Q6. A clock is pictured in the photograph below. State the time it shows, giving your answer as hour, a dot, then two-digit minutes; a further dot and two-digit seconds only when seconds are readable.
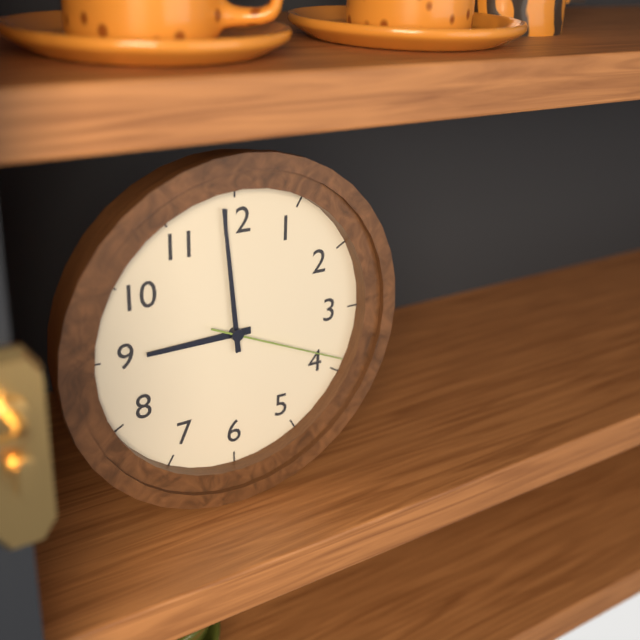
8.59.19
